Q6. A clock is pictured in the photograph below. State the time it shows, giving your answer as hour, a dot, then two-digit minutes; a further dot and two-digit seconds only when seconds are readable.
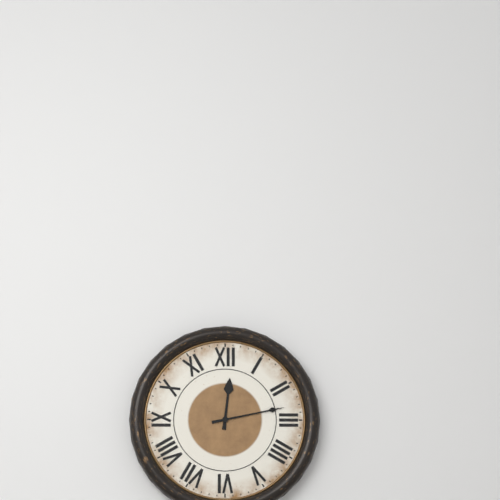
12.13
